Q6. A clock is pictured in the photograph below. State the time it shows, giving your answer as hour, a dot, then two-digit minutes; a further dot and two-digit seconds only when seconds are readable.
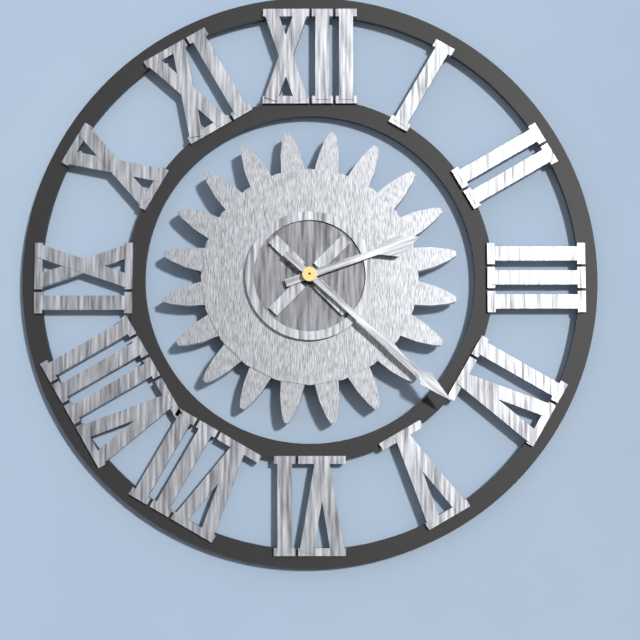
2.22
